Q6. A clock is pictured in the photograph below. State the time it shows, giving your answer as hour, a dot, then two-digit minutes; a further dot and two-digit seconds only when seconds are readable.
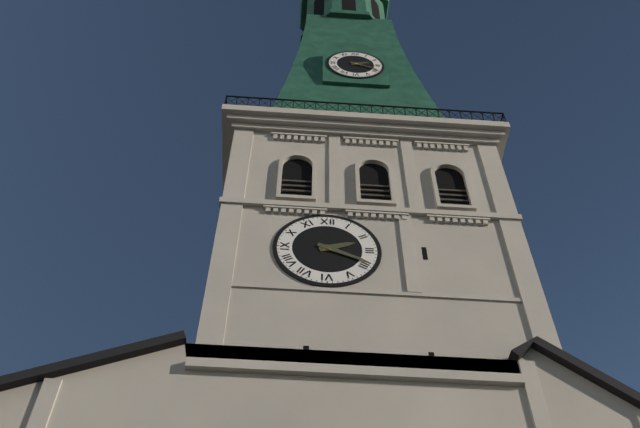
2.19
